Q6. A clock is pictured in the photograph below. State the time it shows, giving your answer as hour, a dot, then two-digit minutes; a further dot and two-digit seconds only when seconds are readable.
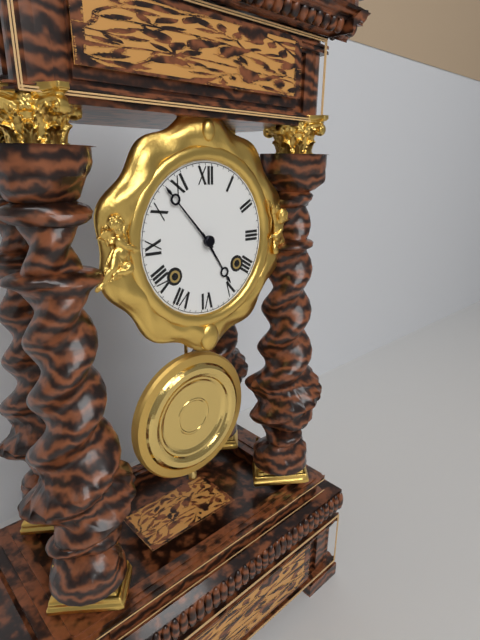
4.53
